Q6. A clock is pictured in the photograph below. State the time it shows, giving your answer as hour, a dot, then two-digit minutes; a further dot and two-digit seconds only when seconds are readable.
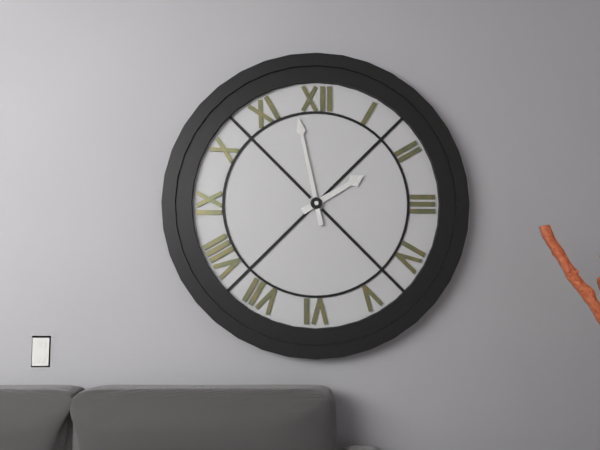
1.58
